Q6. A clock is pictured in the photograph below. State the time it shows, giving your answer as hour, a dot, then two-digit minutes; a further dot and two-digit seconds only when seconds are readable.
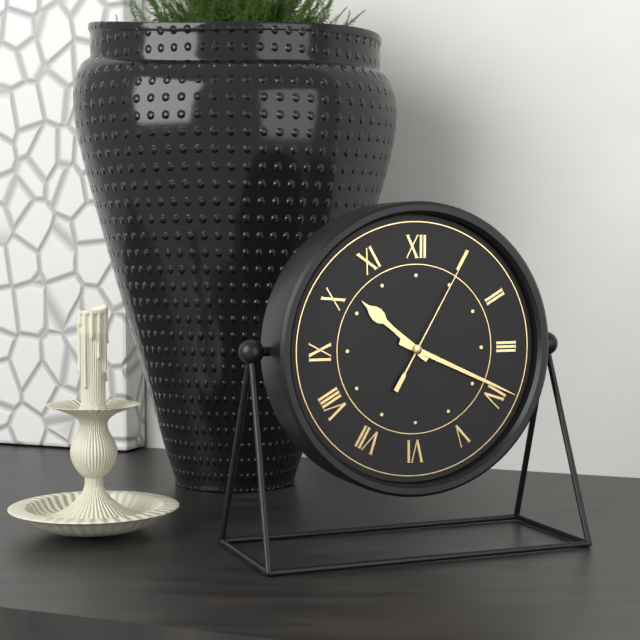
10.19.05
